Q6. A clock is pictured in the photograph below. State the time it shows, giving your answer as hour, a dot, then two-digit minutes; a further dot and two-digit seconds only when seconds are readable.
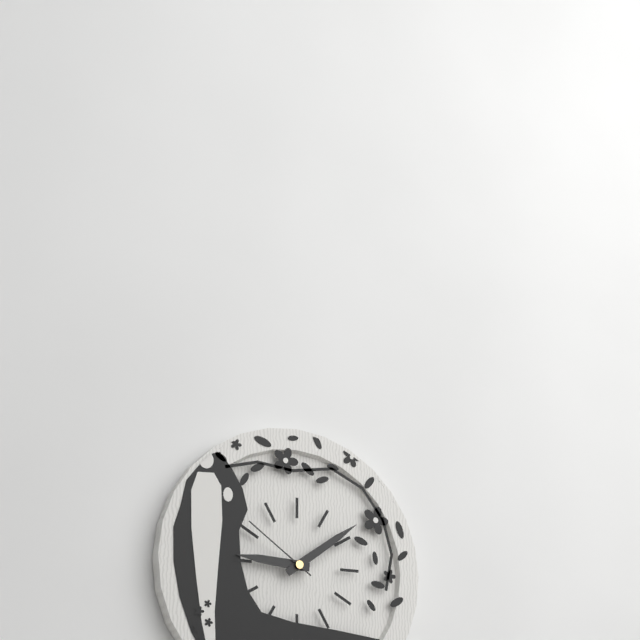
9.09.51
